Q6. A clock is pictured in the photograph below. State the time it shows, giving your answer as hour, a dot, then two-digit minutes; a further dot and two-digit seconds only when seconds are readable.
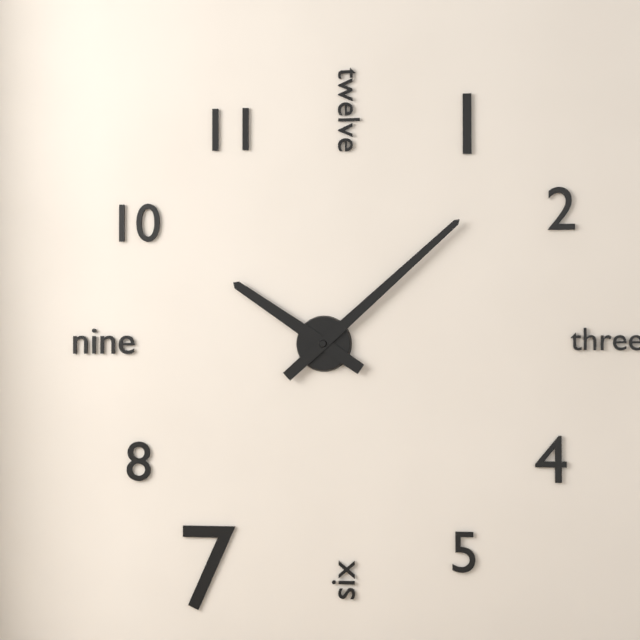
10.08
